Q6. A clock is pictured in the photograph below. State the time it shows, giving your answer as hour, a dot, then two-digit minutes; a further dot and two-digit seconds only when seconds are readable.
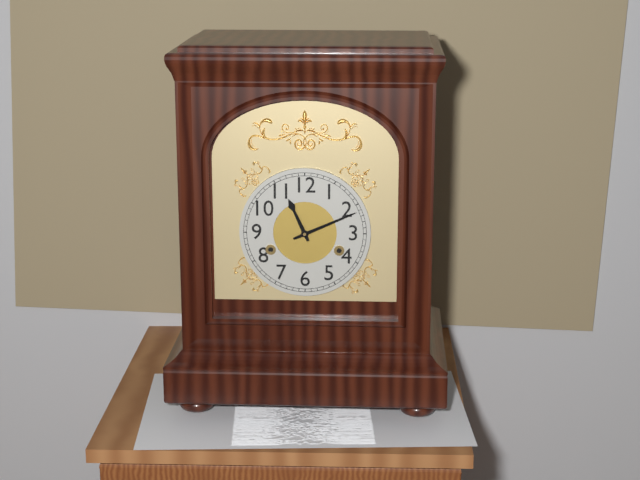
11.11
